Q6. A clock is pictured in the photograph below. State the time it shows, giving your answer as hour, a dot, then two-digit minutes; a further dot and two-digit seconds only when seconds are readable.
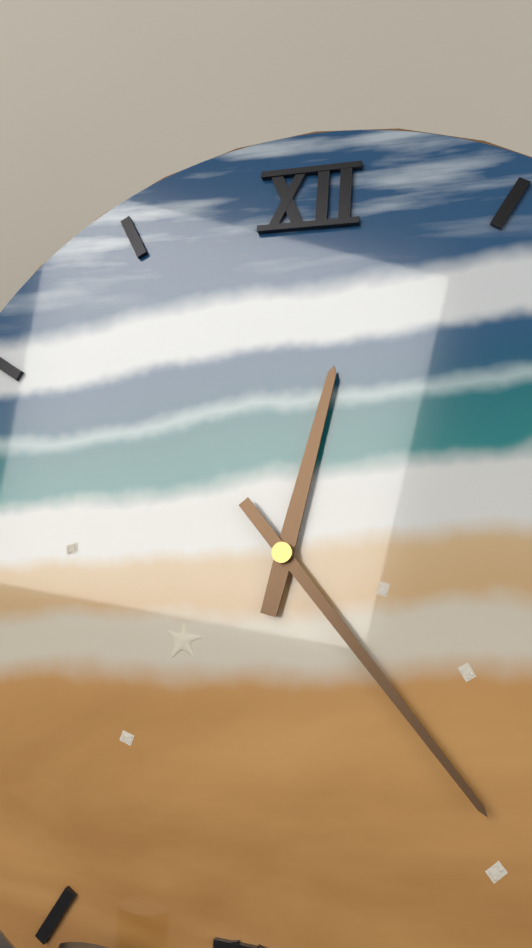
12.23
